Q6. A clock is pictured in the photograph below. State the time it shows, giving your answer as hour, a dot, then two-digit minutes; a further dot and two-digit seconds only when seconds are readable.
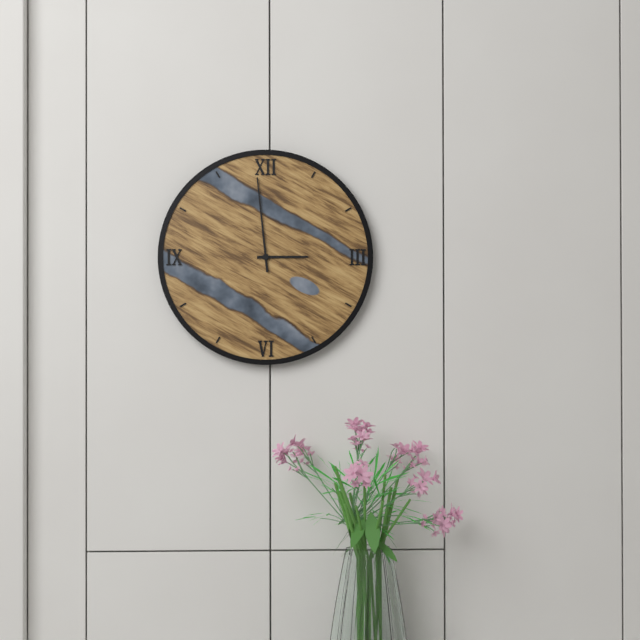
2.59
